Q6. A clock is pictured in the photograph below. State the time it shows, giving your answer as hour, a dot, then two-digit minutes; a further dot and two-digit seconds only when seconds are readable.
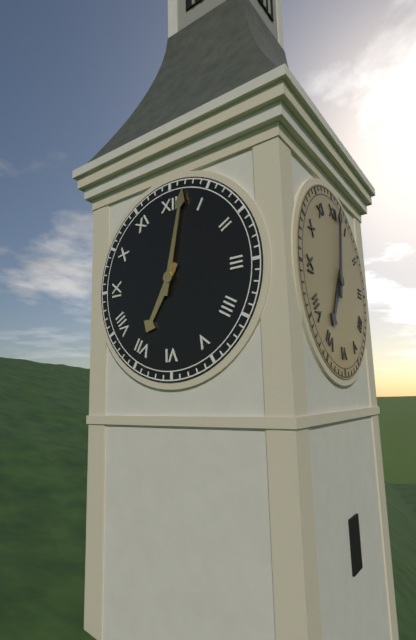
7.02
